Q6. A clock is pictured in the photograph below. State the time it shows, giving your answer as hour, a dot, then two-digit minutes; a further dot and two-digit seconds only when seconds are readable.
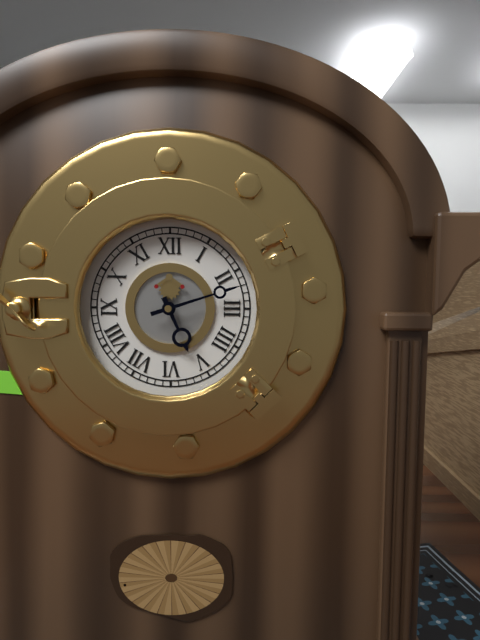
5.12
